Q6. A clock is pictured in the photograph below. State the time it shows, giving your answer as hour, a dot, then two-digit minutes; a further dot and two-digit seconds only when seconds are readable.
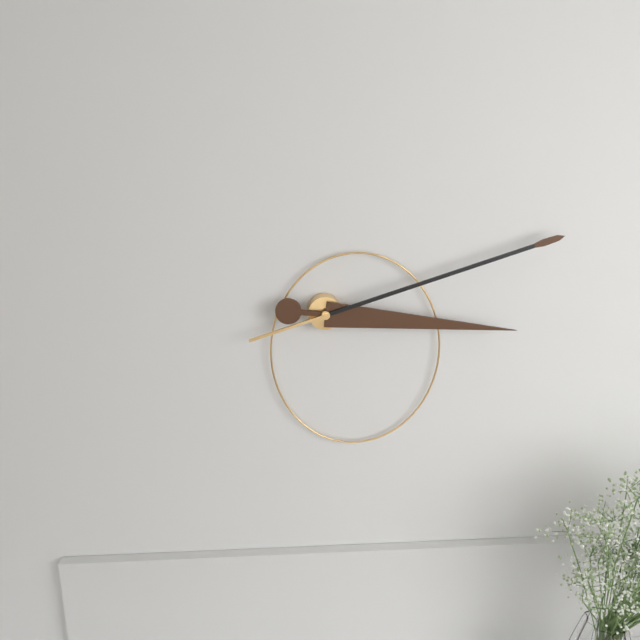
3.12
